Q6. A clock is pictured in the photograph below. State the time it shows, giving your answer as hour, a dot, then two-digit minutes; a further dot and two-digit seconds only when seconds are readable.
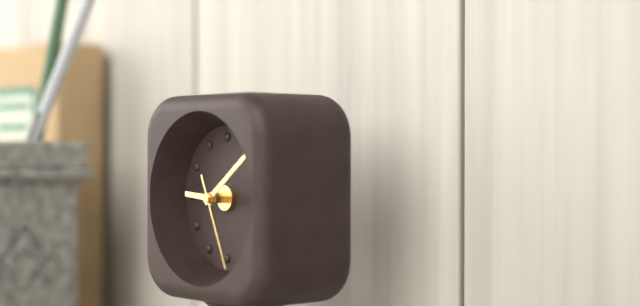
9.09.26
